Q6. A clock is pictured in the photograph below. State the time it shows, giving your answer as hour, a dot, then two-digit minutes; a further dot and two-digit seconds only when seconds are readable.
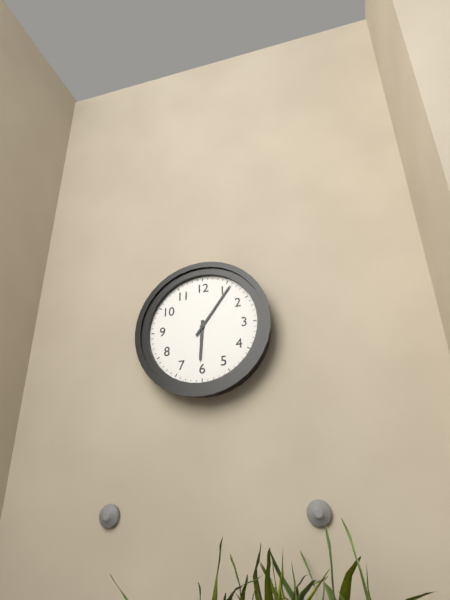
6.06
